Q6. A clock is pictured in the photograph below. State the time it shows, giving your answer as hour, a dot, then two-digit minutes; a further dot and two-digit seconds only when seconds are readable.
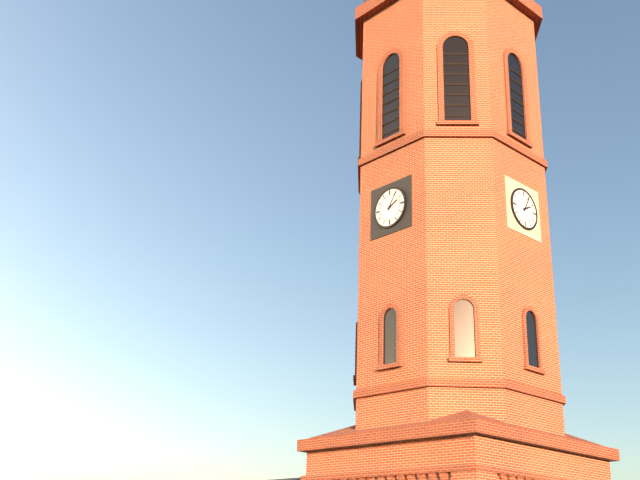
2.05
